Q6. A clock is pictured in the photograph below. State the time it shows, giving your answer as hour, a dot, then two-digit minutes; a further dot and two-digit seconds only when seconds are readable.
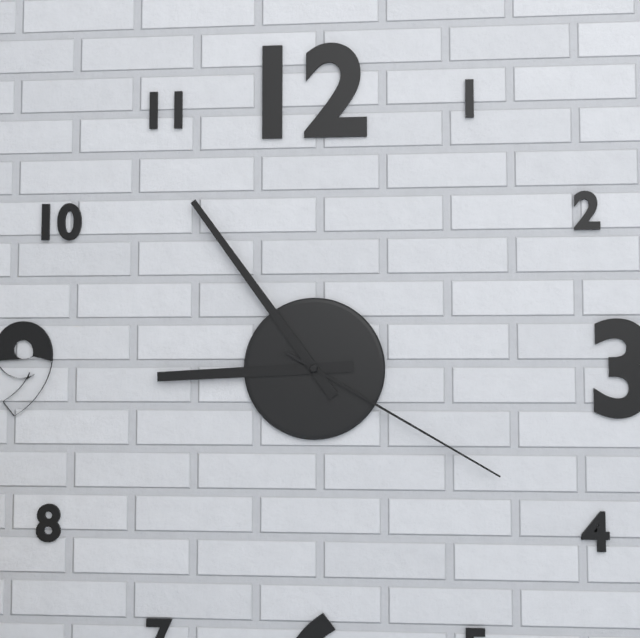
8.54.20
